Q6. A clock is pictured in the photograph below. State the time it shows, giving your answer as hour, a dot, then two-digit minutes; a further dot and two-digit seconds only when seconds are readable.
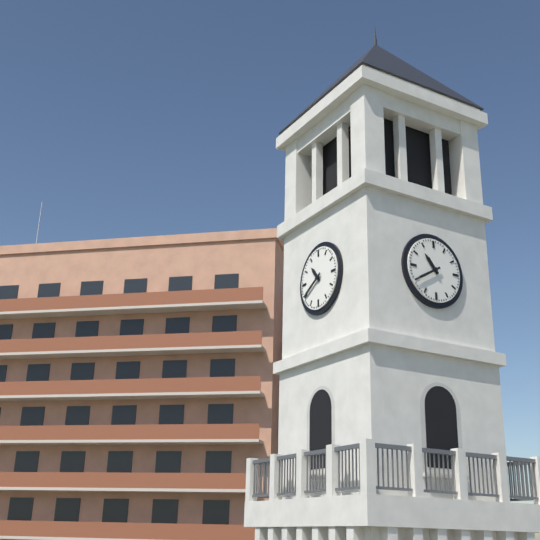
10.40
